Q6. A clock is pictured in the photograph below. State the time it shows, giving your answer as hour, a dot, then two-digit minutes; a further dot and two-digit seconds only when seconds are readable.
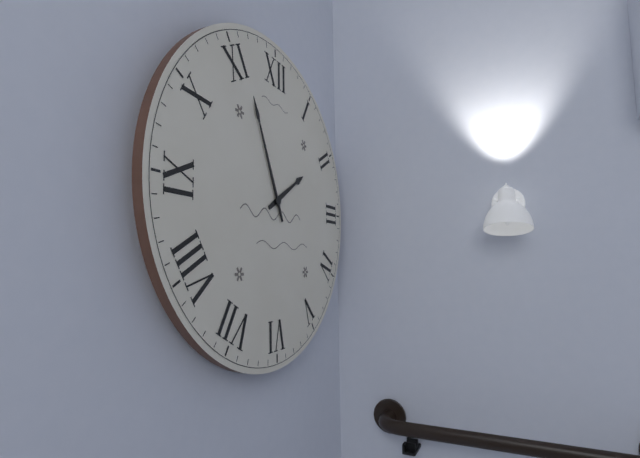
1.56
